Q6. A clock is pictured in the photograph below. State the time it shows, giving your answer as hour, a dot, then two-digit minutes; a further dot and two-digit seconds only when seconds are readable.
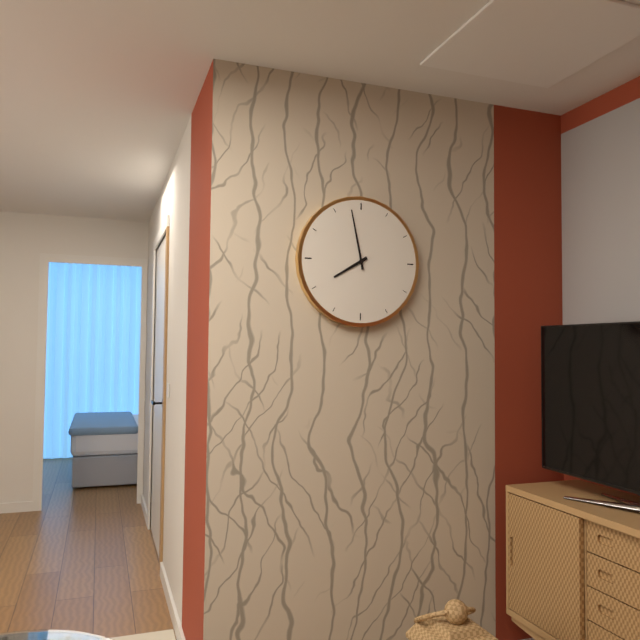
7.58
